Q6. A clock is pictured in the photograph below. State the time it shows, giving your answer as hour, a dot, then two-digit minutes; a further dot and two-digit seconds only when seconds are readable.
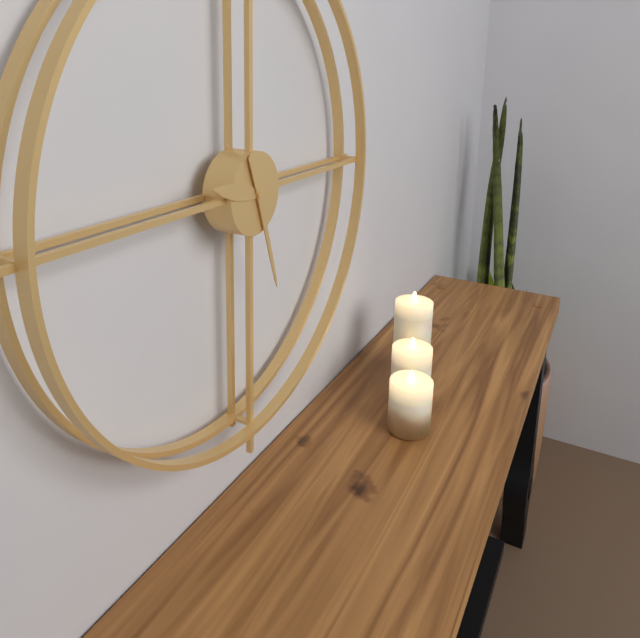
9.27
